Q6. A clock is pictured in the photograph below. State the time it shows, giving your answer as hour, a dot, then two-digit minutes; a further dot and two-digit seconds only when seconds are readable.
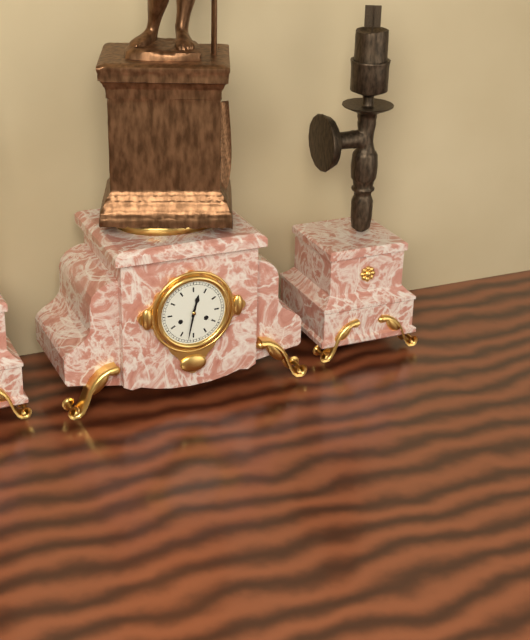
12.32
